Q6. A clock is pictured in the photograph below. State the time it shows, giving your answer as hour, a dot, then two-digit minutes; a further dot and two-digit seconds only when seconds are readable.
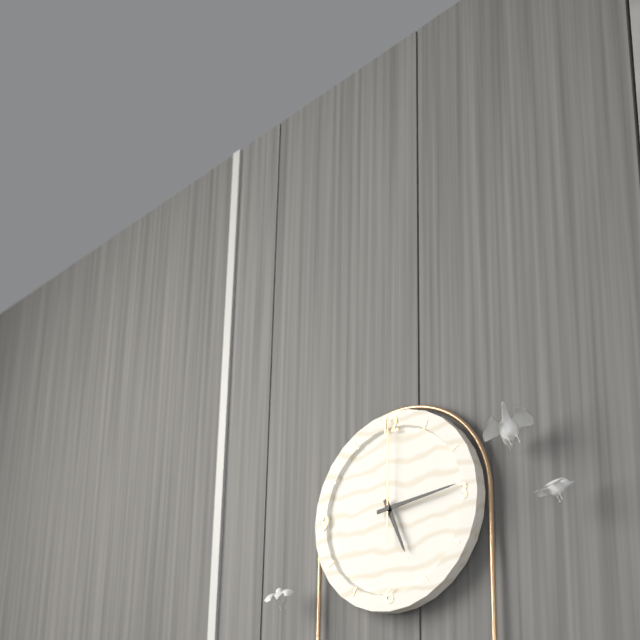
5.14.00
